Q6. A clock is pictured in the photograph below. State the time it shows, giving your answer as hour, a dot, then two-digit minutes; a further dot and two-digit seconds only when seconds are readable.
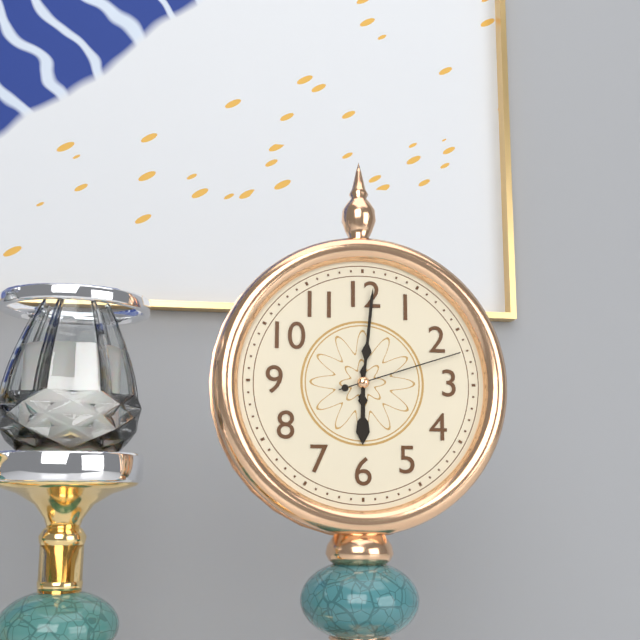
6.01.12
